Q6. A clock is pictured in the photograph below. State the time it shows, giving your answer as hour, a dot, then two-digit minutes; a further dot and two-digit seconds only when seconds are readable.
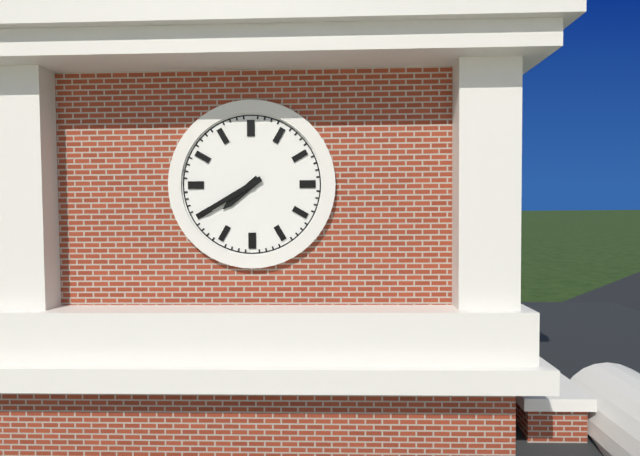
7.40
